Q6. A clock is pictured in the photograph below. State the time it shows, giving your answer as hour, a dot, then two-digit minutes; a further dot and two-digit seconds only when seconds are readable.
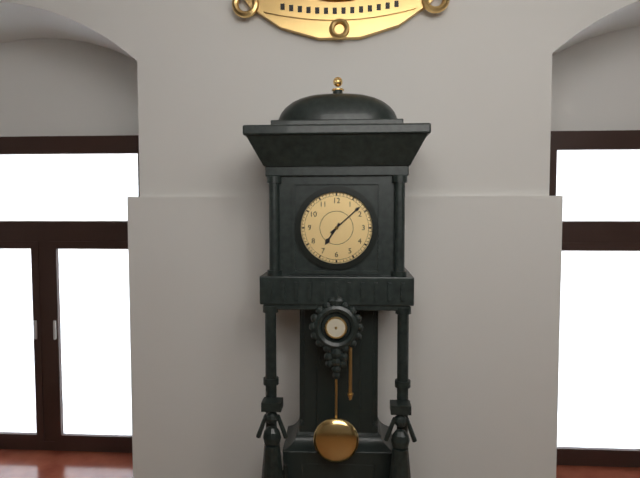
7.08
